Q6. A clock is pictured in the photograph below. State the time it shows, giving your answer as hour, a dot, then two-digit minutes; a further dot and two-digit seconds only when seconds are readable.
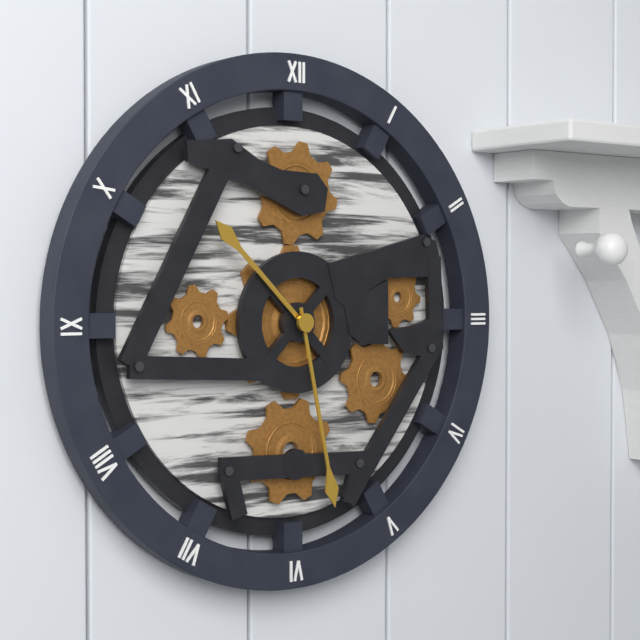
10.28
